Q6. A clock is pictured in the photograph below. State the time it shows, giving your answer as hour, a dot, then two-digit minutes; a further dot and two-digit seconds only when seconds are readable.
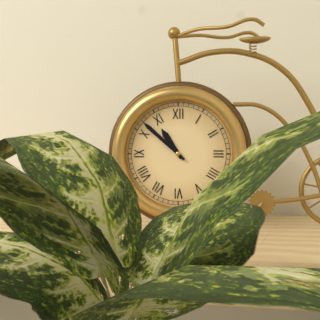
10.52
